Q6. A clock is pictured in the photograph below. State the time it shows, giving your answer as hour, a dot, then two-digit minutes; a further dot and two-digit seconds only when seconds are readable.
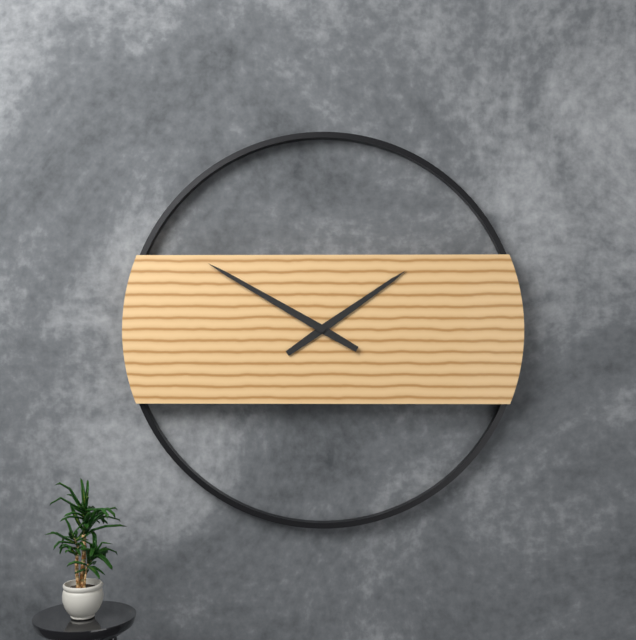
1.50
